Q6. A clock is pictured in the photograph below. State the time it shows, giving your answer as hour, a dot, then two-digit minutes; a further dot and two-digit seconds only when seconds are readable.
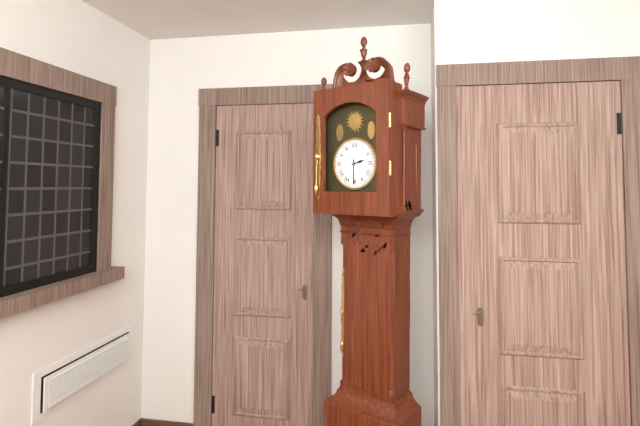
2.30
